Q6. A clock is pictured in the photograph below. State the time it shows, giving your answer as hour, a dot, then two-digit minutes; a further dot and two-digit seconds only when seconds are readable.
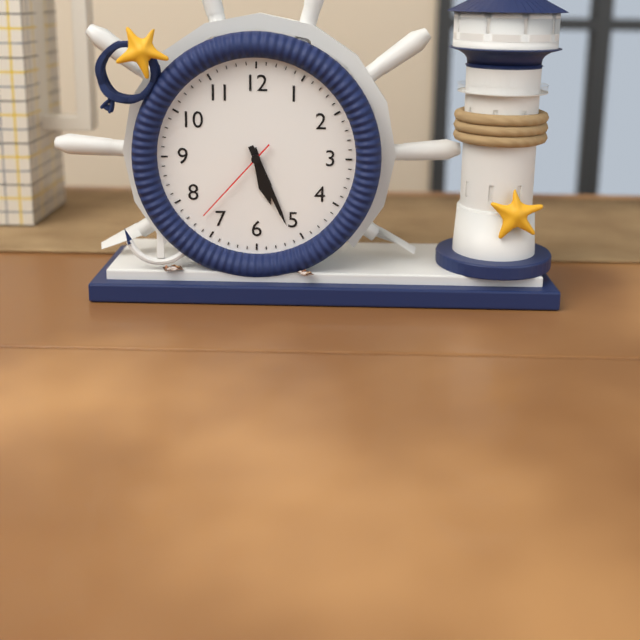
5.26.37
